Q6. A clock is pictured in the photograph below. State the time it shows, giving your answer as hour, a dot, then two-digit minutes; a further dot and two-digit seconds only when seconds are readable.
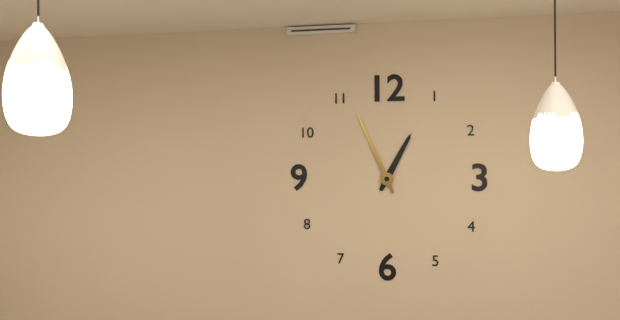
12.56
